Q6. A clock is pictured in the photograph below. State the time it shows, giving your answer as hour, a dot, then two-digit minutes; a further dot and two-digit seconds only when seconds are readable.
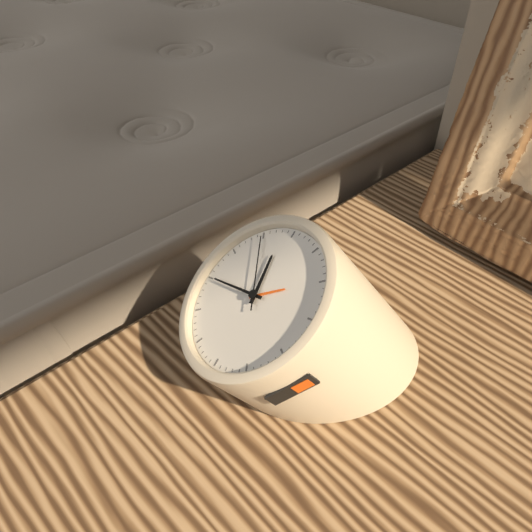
10.40.50
